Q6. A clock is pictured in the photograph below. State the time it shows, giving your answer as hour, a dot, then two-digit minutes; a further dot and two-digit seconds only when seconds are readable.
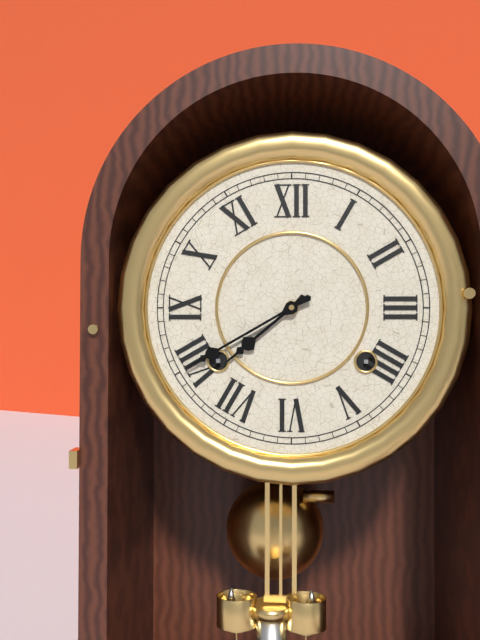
7.40
